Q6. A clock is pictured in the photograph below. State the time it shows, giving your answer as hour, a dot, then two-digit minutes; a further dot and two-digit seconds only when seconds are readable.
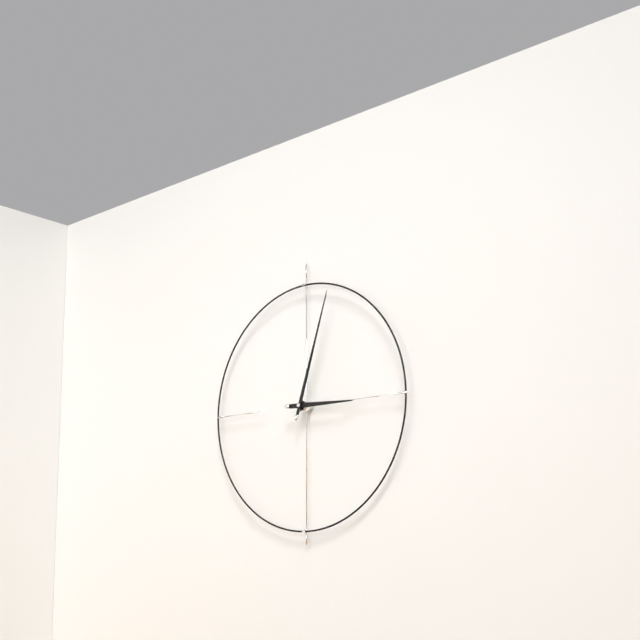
3.03
